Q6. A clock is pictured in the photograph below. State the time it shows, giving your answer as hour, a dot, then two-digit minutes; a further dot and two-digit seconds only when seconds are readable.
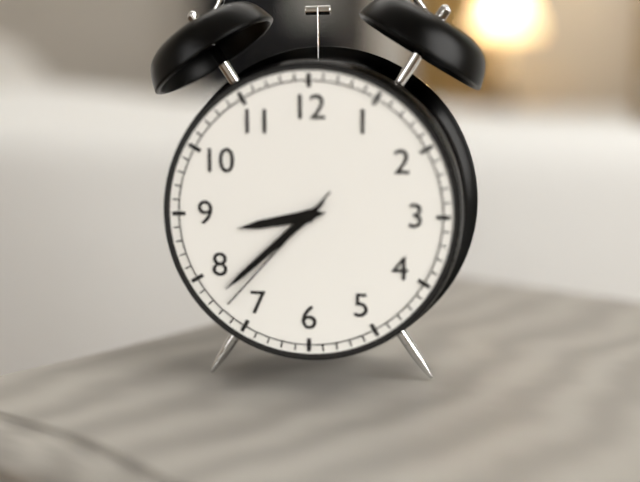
8.38.37
